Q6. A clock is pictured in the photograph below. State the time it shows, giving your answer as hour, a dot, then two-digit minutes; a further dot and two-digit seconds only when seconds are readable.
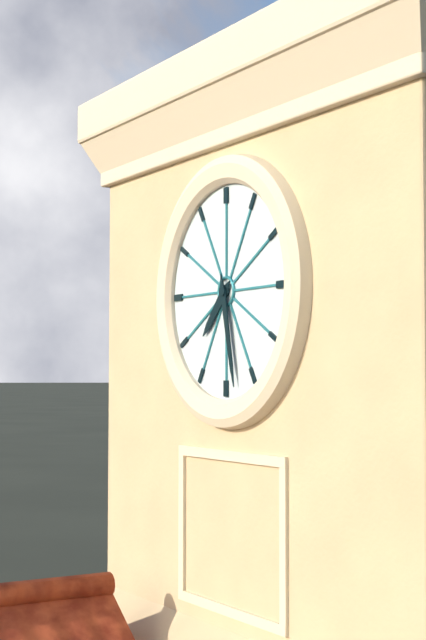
7.28
